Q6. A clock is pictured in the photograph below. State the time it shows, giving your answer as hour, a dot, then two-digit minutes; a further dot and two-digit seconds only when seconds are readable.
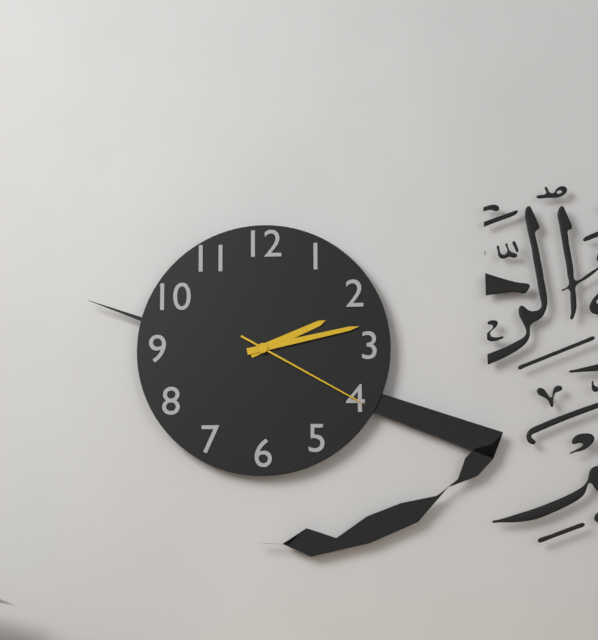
2.13.20
